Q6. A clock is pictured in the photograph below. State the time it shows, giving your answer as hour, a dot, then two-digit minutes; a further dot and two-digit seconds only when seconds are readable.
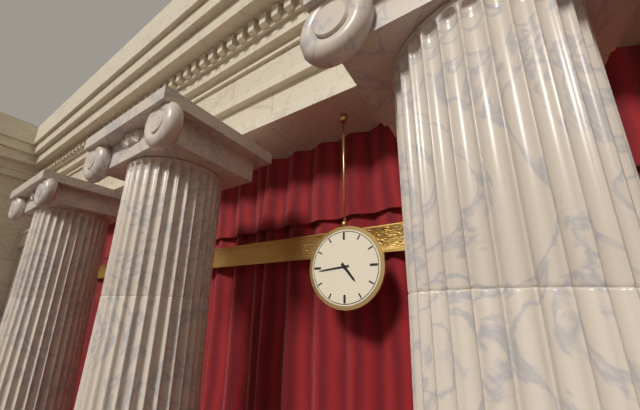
4.44
